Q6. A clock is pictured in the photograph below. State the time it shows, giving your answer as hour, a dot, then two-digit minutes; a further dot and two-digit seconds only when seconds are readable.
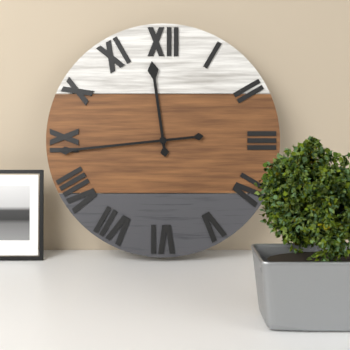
11.44
